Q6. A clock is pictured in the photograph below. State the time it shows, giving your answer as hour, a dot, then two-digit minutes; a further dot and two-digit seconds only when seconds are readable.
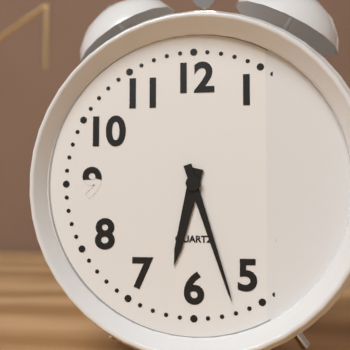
6.27
